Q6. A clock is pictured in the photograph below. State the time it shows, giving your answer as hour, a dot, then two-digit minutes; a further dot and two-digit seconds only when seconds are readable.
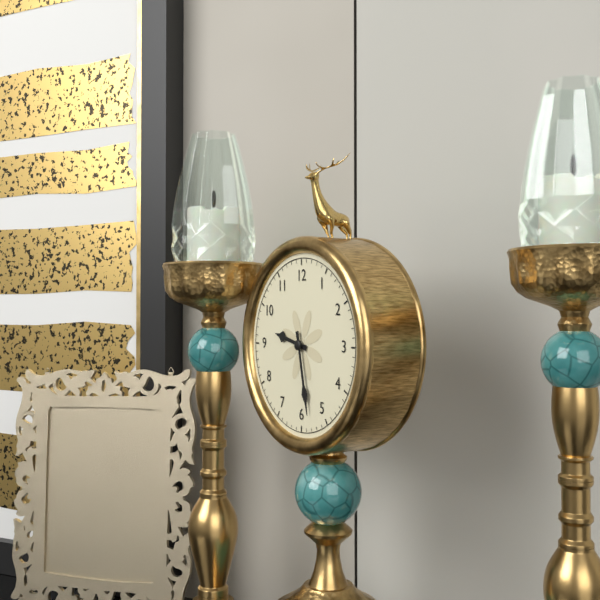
9.28
